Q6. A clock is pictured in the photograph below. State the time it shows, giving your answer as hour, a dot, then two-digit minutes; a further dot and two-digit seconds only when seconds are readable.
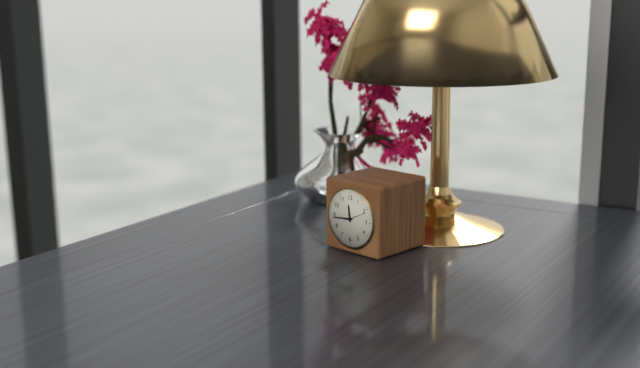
11.44
